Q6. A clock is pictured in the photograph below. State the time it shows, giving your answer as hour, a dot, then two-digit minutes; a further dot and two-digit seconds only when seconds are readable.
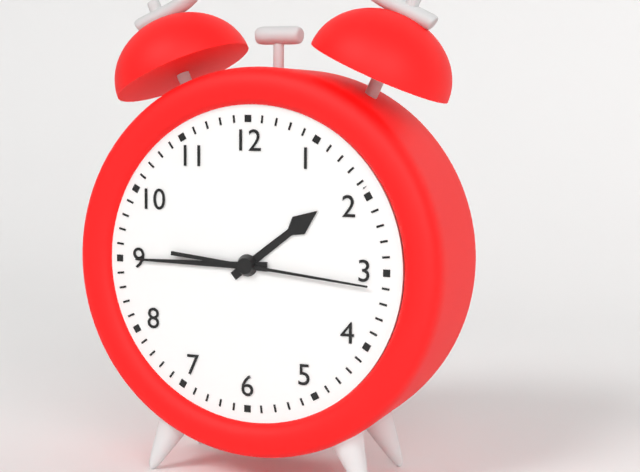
1.45.16
